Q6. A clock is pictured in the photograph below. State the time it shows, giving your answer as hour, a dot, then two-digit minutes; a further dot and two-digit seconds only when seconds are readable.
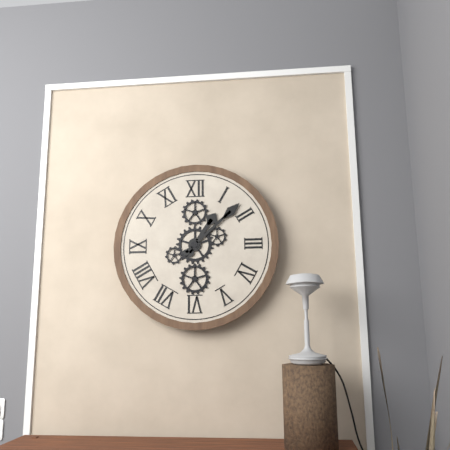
1.08
